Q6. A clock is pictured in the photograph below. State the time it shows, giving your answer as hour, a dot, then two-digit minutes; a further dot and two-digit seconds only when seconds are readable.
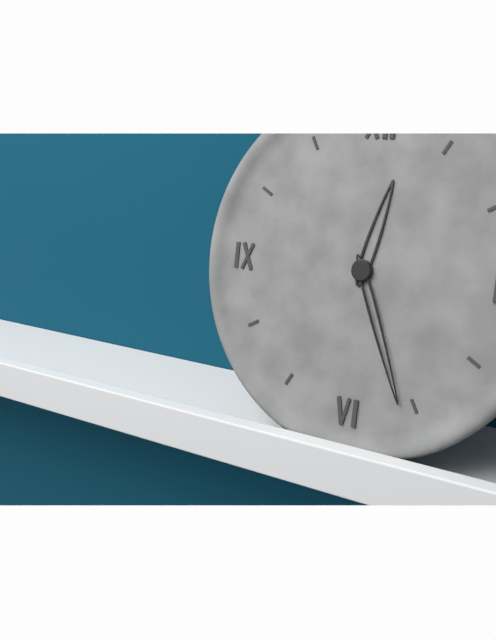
12.26
